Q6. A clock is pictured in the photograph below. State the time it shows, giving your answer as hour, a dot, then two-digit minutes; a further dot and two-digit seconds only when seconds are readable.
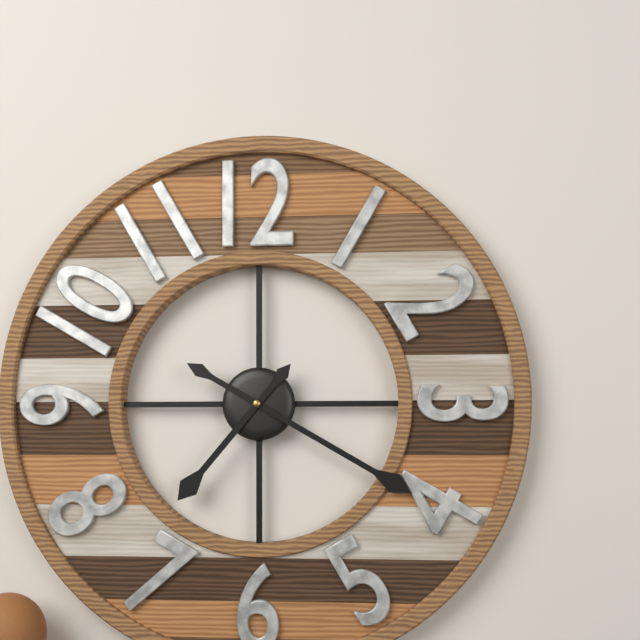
7.20
